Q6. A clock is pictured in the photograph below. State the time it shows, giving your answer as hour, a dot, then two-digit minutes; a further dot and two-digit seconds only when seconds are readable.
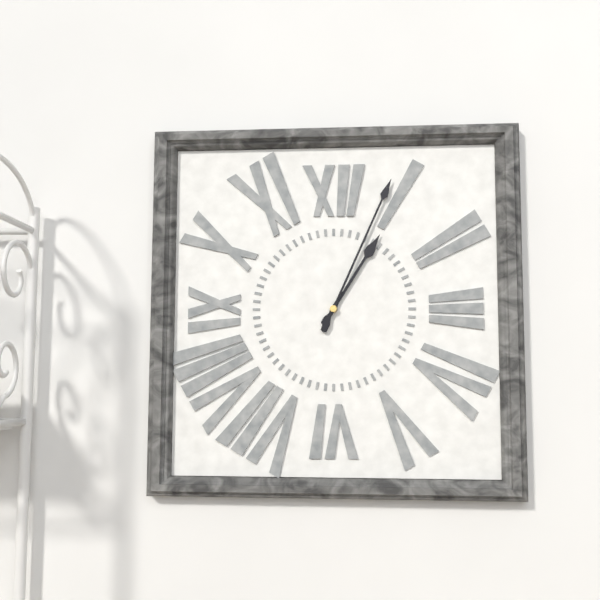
1.04
